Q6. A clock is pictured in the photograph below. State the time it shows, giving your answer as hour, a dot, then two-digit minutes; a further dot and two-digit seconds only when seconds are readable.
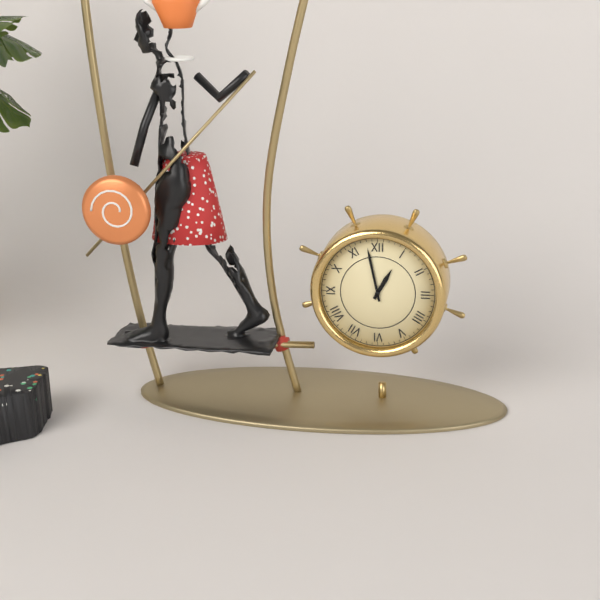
12.58
